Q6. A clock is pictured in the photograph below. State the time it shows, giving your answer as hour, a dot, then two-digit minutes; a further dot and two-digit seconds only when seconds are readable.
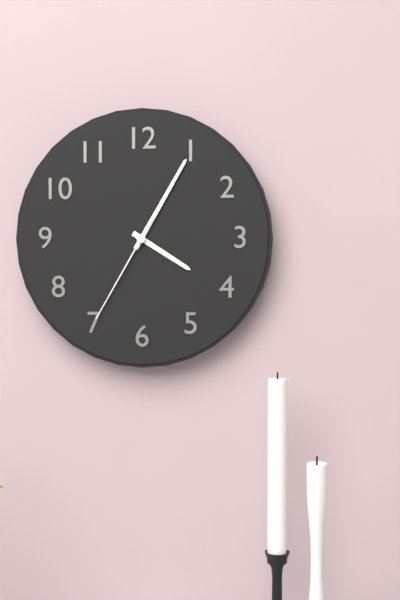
4.05.35
